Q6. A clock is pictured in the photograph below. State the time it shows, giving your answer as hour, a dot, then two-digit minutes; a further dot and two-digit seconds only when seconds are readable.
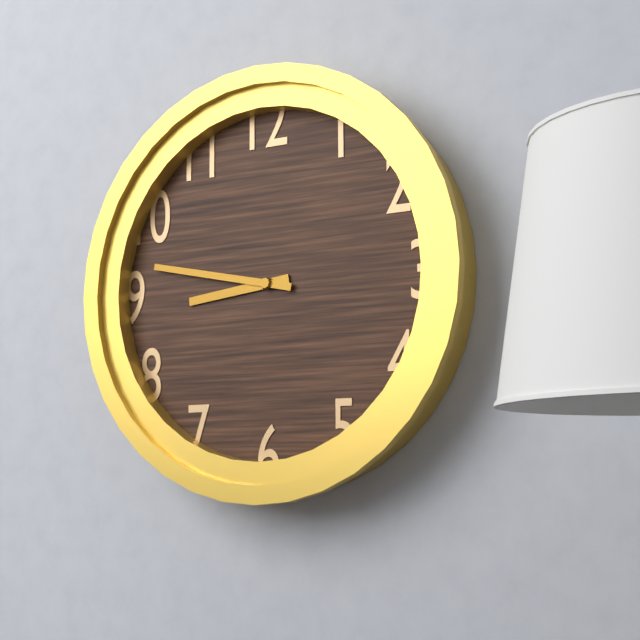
8.47
